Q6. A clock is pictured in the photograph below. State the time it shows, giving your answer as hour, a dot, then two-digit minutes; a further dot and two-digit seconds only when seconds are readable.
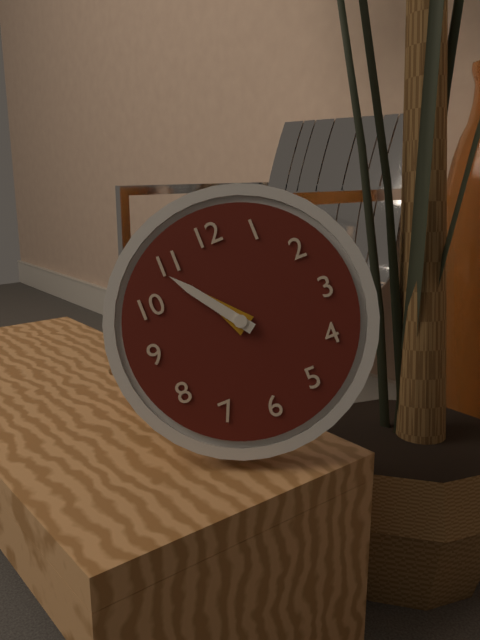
10.54
